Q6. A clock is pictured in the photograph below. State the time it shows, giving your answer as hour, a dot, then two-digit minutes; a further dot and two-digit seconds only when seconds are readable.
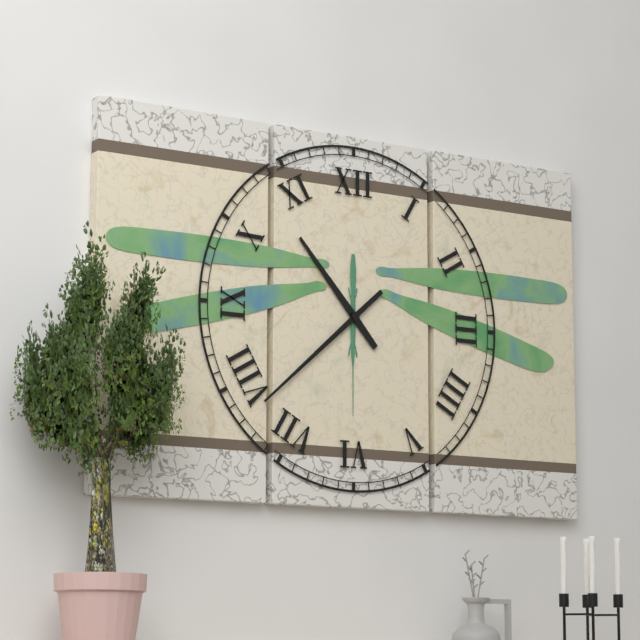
10.38
